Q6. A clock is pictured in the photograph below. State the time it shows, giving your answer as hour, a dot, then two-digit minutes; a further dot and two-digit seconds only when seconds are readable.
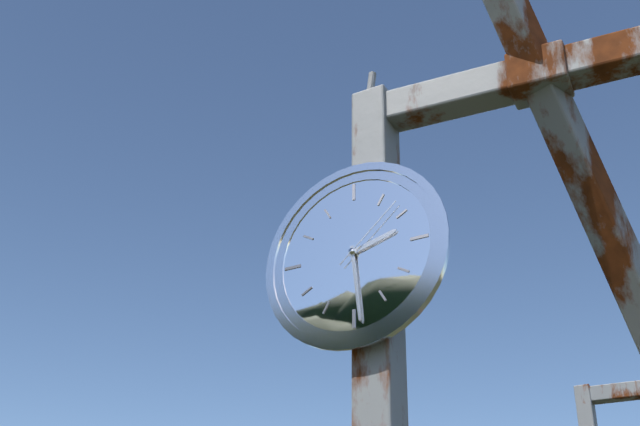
2.29.08
